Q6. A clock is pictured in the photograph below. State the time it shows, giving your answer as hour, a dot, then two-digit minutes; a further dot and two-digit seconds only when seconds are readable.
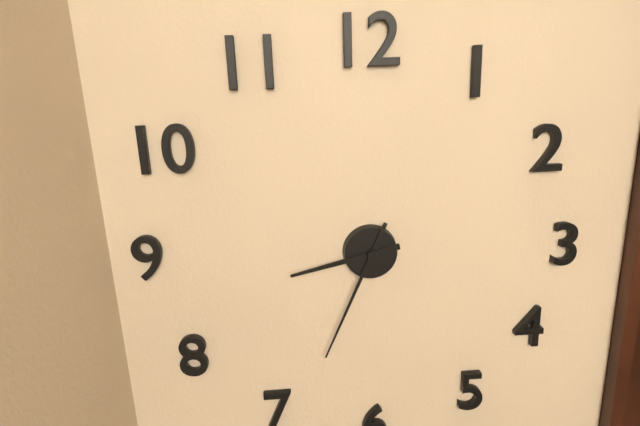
8.34
